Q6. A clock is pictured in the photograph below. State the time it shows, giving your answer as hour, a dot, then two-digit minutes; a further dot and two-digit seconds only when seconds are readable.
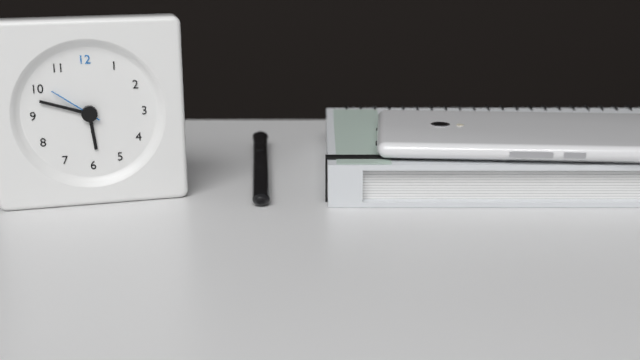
5.48.51
